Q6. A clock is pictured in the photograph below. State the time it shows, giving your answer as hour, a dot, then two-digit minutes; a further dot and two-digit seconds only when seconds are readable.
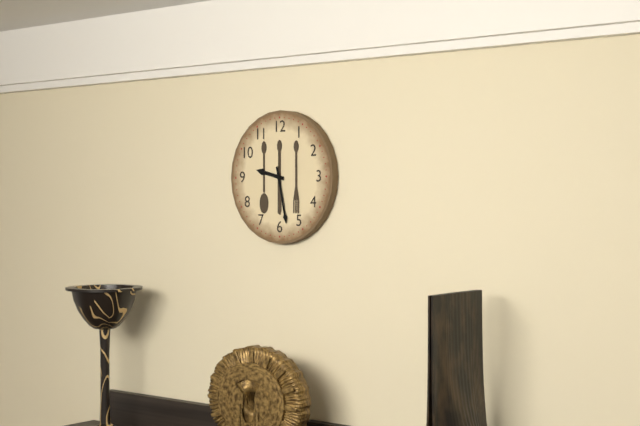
9.28
